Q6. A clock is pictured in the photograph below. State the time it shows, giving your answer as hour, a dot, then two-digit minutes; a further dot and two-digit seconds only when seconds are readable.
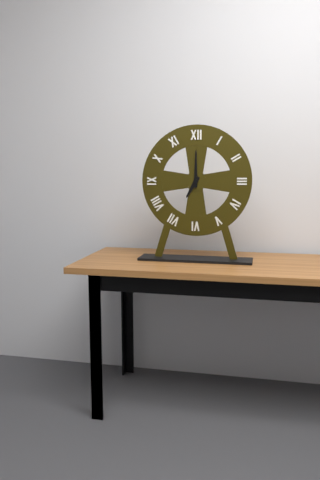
7.00
